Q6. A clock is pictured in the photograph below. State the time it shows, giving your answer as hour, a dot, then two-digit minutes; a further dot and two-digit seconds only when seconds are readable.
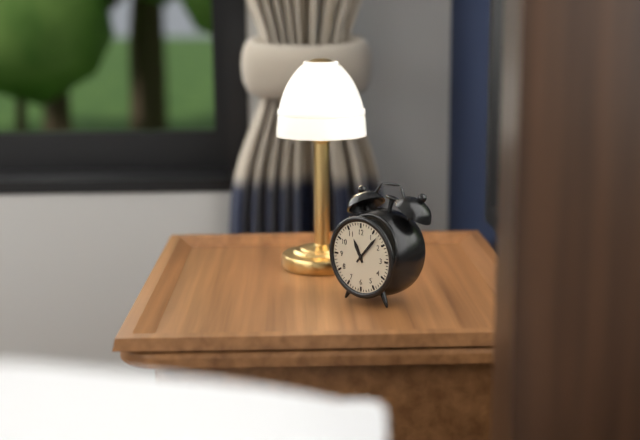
11.07
